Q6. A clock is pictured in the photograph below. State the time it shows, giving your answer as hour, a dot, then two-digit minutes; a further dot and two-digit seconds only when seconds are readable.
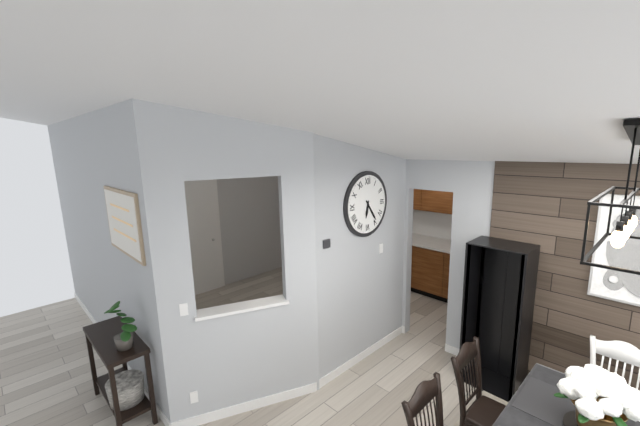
6.24
